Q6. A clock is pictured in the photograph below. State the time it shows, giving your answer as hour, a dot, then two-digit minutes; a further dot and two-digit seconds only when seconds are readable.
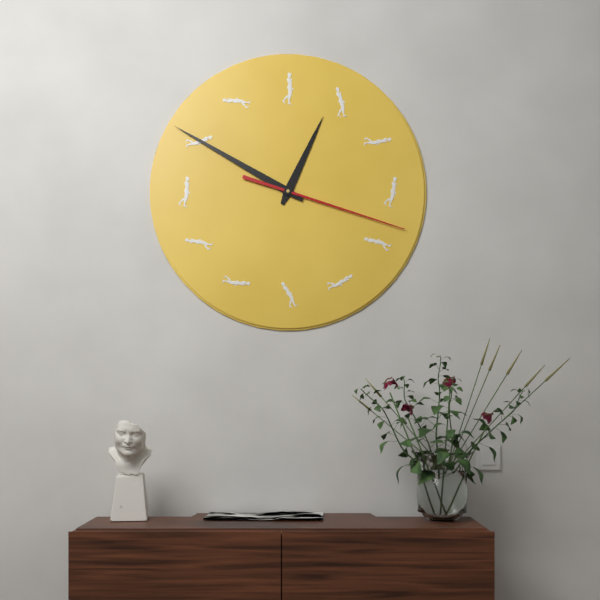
12.50.18
